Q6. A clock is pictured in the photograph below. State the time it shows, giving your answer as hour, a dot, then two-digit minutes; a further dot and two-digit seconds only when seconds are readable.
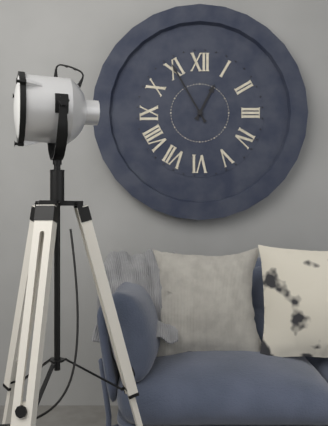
12.55
